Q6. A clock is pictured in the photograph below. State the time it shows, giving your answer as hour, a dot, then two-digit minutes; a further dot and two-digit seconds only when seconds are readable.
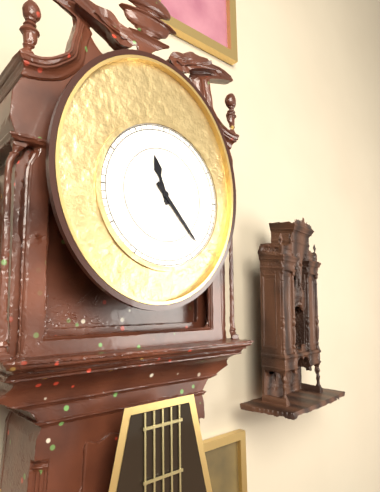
11.23
